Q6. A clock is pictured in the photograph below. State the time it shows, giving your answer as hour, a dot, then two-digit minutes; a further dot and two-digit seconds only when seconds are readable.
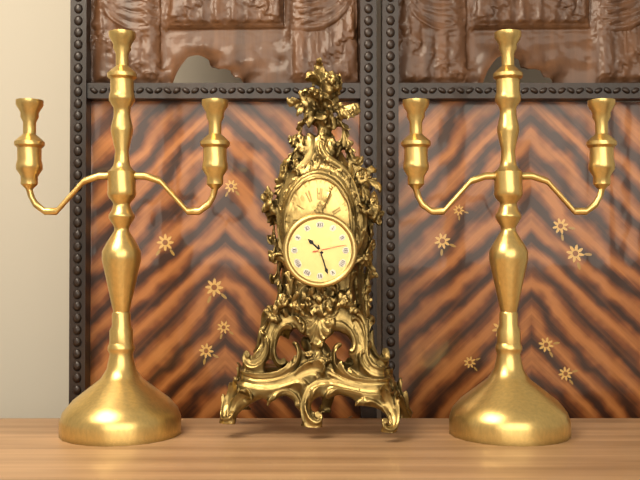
10.27
